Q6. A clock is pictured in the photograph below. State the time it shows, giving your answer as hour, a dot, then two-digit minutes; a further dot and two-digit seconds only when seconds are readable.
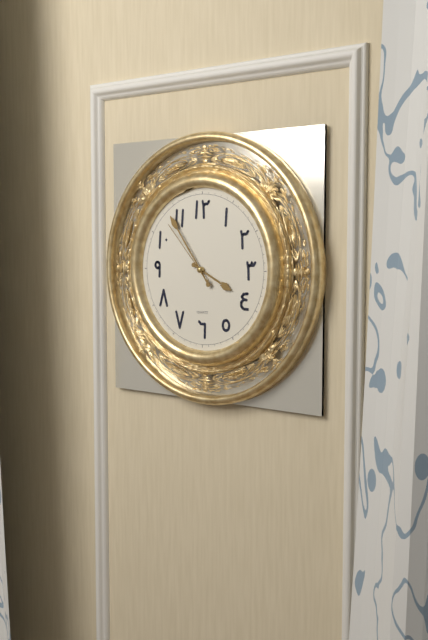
3.54.53
